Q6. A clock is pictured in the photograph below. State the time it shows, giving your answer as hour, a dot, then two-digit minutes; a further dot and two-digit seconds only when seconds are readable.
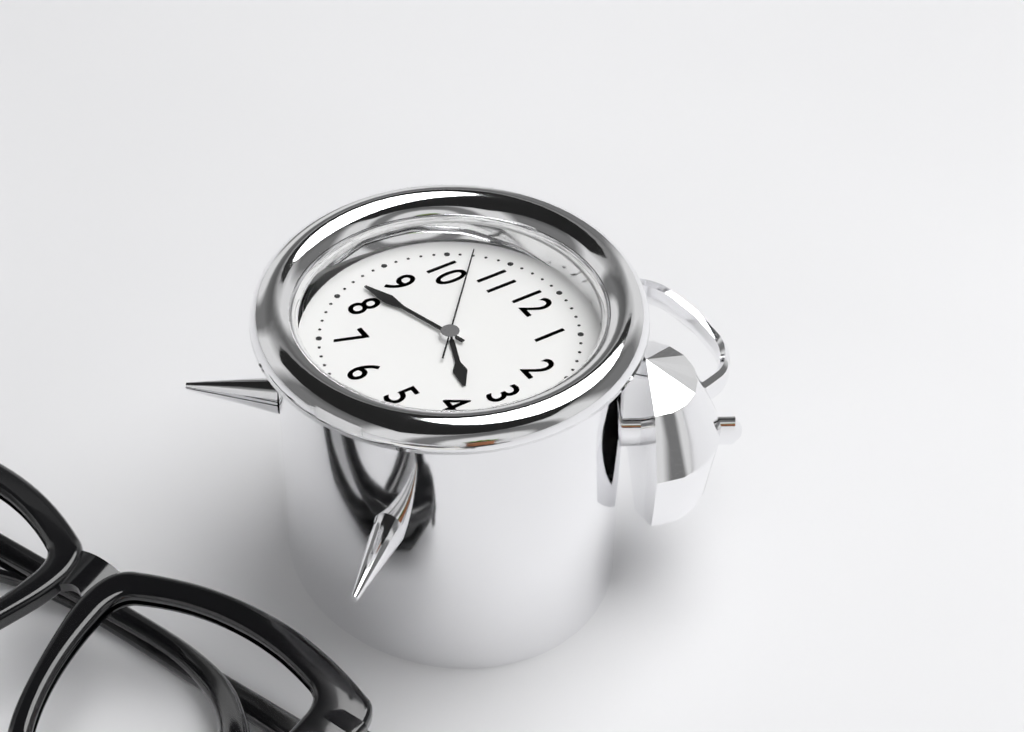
3.42.52
